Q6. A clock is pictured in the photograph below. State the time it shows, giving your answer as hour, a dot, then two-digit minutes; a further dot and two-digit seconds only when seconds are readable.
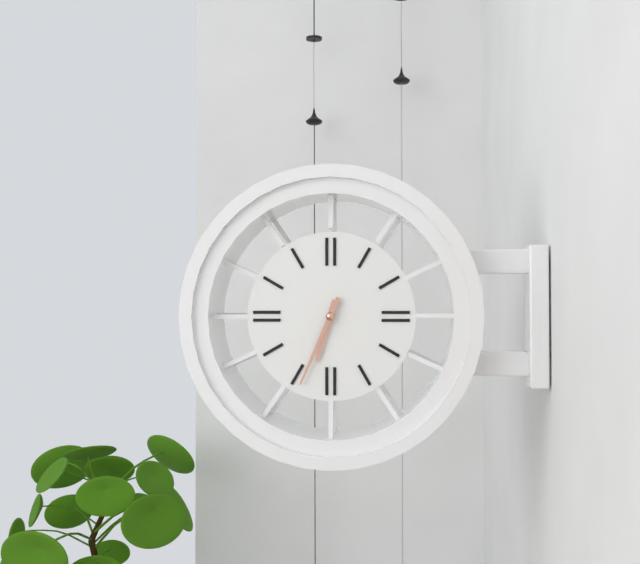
6.34
